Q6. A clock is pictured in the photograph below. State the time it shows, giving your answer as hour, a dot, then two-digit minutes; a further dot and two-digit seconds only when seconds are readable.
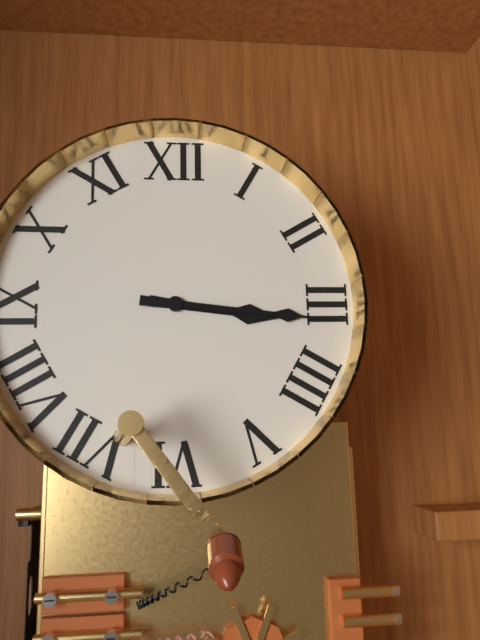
3.16
